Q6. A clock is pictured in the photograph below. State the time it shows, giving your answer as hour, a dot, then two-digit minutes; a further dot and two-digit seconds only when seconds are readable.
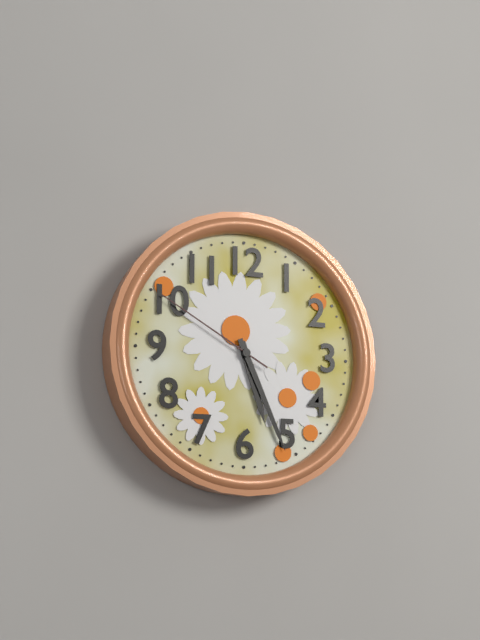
5.26.50
